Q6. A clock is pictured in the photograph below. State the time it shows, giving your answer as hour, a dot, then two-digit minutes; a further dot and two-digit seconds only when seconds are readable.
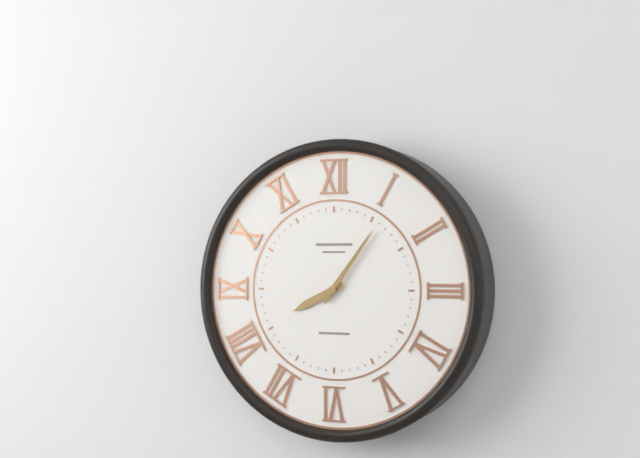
8.06
